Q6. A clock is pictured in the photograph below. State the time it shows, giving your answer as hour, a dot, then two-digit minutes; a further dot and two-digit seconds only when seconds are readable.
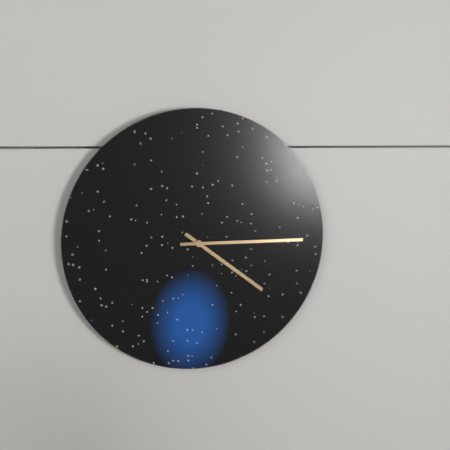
4.15
